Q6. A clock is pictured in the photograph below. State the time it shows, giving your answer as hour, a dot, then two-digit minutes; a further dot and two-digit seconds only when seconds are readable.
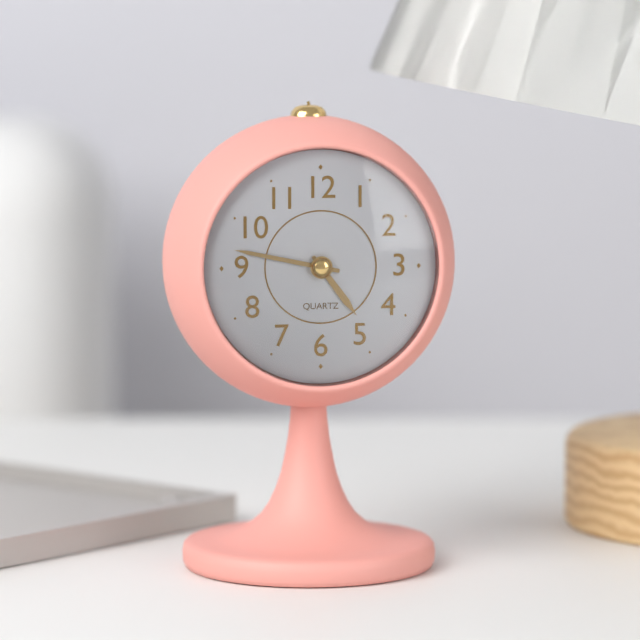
4.47
